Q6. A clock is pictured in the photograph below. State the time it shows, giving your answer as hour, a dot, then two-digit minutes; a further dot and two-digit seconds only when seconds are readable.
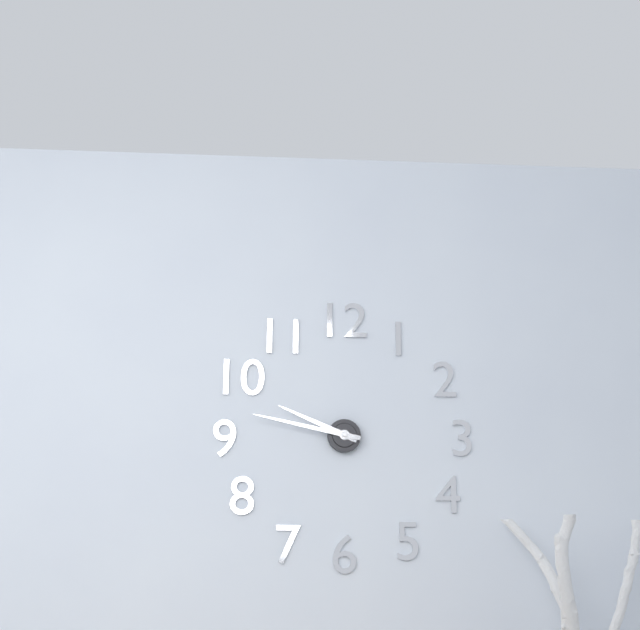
9.47
